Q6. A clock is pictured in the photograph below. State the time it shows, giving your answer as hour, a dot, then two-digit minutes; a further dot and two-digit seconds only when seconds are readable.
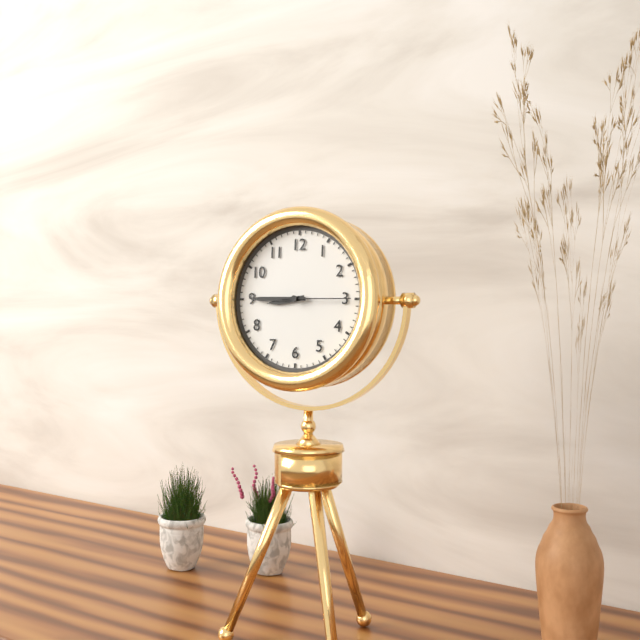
8.45.15
